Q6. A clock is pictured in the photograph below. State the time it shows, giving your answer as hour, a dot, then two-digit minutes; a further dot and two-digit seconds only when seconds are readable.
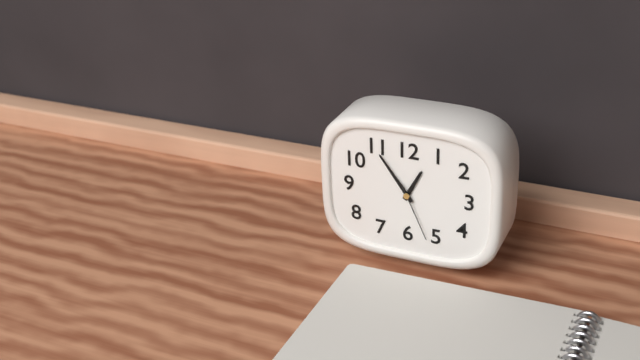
12.54.26
